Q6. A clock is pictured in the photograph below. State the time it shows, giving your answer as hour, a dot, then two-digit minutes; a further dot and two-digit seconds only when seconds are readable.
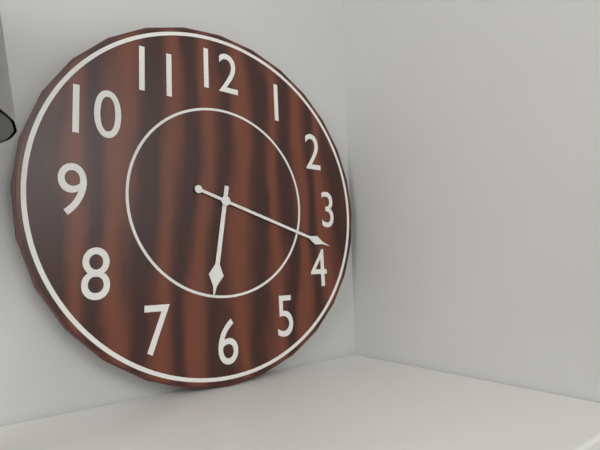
6.18
